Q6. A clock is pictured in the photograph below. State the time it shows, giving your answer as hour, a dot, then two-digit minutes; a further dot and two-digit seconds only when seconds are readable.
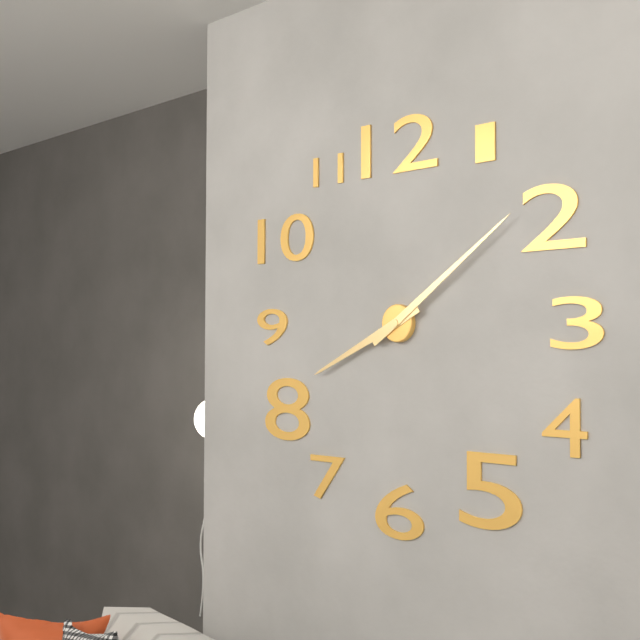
8.09
